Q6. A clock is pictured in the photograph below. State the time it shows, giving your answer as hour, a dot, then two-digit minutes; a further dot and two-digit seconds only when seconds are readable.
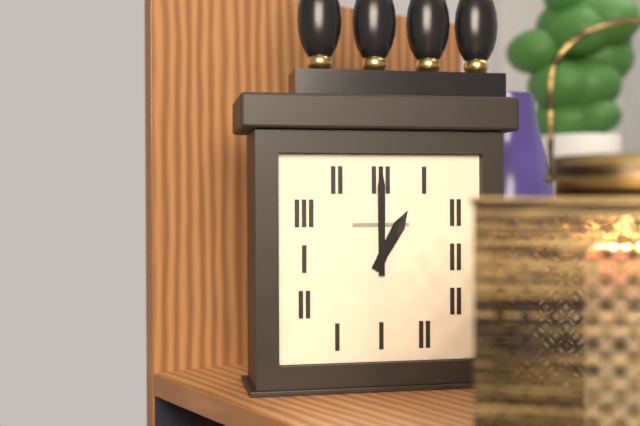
1.00
